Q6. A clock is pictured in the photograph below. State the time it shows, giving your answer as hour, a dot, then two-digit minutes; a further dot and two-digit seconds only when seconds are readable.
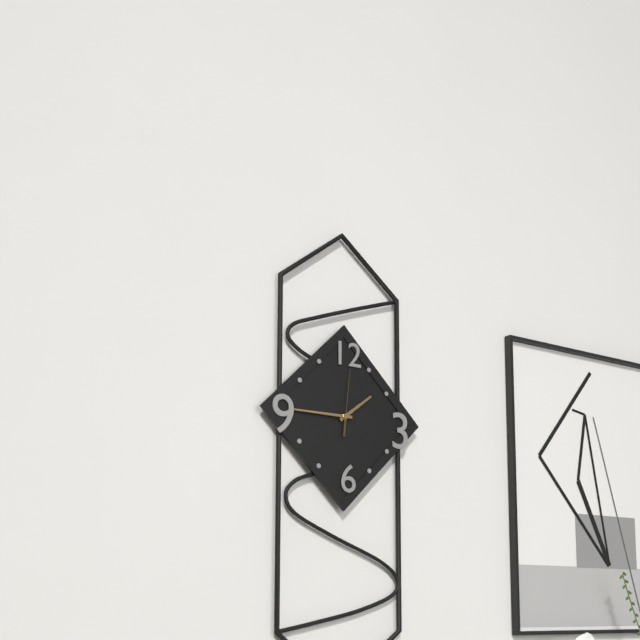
1.45.01
